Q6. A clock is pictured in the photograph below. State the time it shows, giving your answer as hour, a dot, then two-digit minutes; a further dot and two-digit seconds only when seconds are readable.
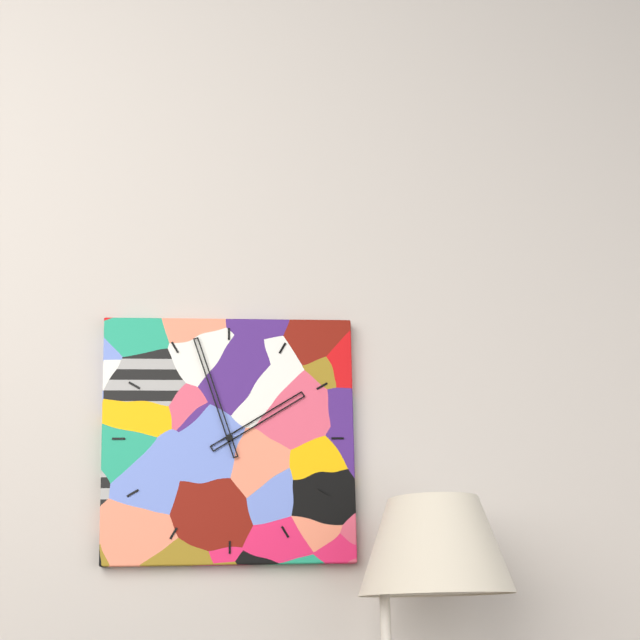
1.57
